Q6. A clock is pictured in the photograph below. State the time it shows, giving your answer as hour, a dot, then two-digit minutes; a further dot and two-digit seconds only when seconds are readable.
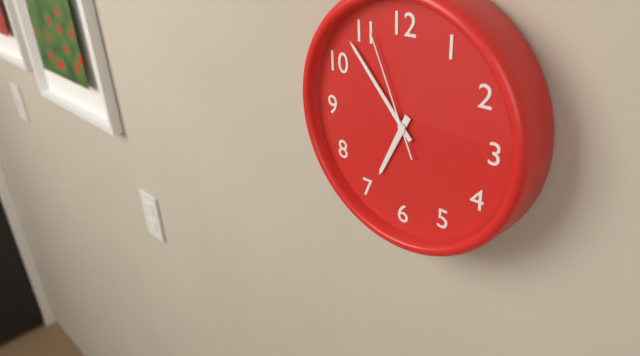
6.53.56
